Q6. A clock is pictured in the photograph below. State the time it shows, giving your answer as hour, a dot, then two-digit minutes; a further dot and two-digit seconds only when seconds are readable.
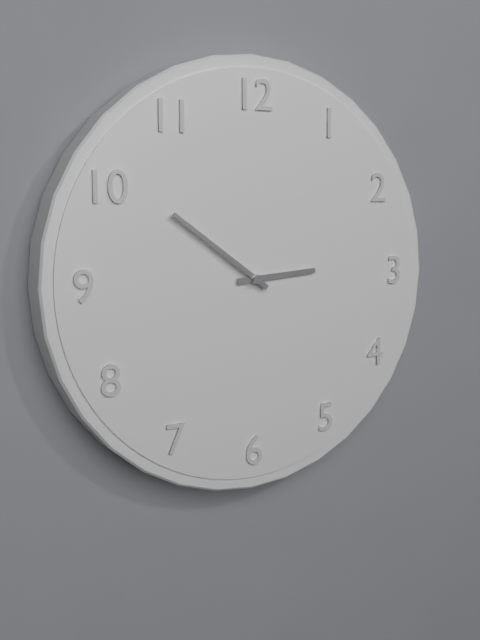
2.51
